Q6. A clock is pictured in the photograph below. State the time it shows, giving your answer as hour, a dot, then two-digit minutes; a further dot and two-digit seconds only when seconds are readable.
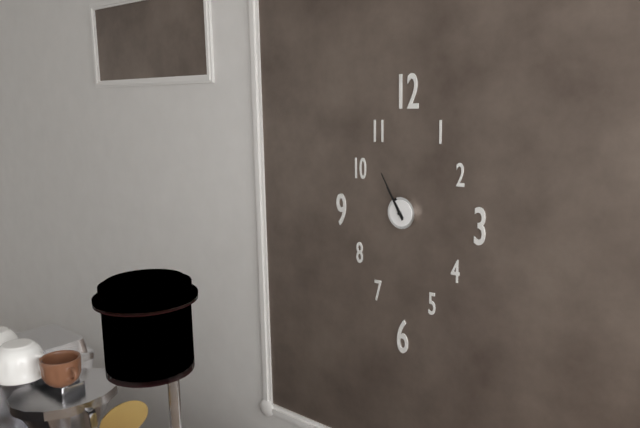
10.55
